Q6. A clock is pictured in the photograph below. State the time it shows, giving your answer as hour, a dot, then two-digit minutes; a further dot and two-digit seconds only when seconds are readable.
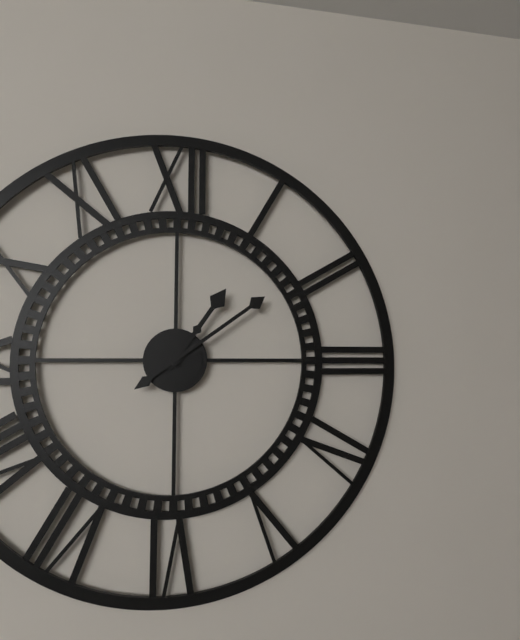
1.09
